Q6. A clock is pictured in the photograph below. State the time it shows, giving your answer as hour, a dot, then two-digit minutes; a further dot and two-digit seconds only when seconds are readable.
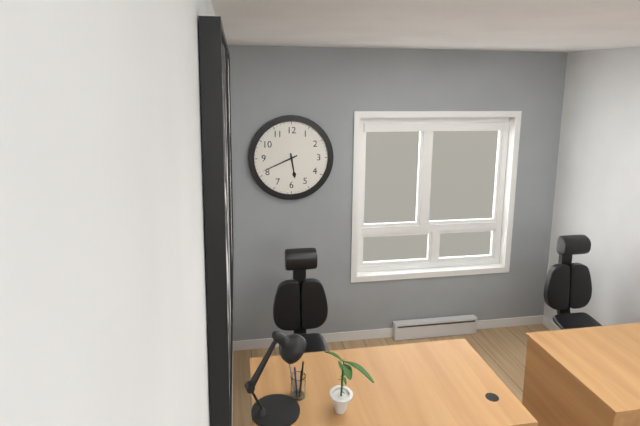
5.41
